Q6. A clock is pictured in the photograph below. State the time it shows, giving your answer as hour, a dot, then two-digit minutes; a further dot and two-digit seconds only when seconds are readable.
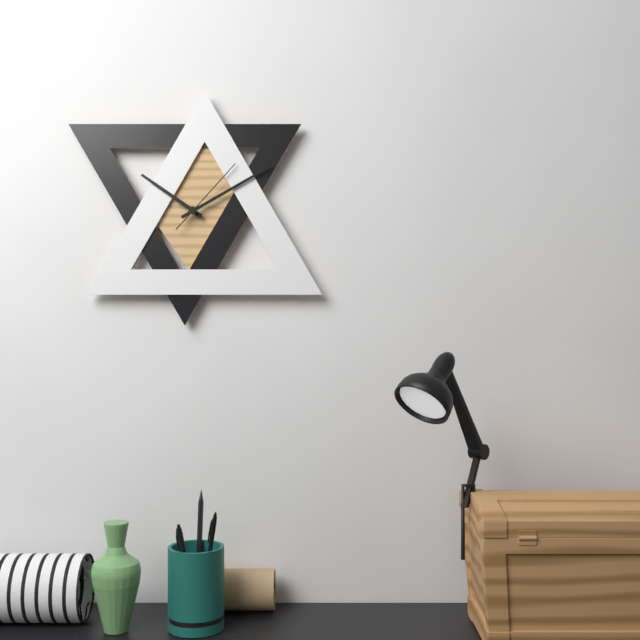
10.10.07
